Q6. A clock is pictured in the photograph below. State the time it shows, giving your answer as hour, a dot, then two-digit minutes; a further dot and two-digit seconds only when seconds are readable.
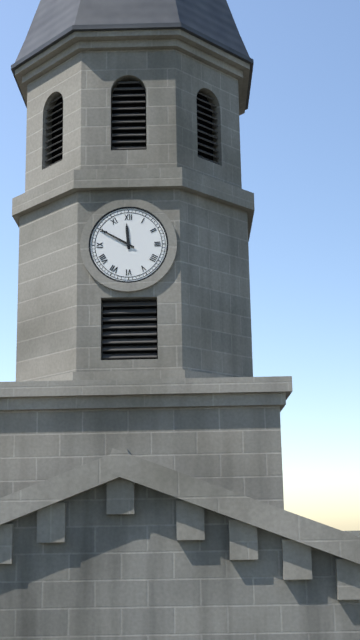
11.50
